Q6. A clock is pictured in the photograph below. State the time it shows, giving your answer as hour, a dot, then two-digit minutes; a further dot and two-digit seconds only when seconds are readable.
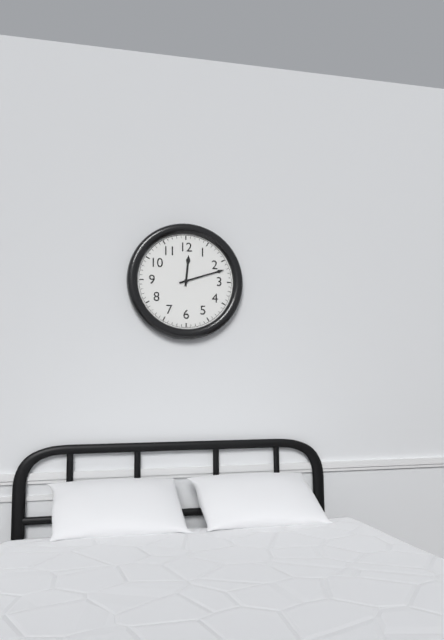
12.12
